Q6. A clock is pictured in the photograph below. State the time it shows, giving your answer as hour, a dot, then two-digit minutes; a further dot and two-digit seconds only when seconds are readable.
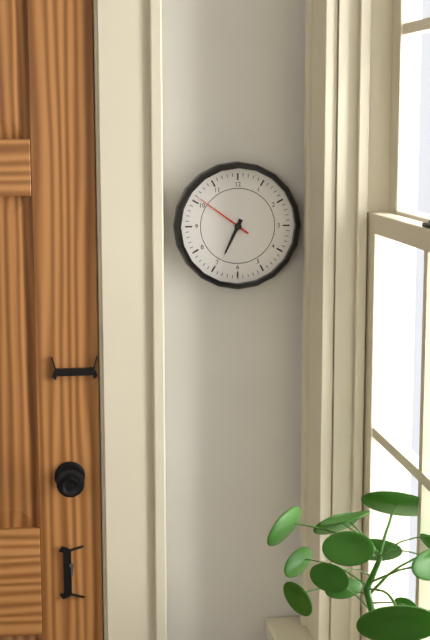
6.51
